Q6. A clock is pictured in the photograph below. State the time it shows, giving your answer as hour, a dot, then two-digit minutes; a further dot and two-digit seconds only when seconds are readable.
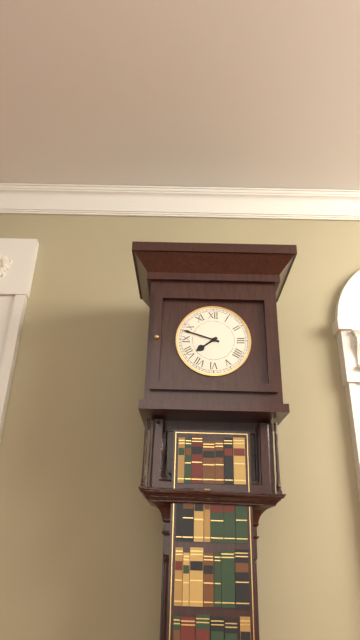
7.48
